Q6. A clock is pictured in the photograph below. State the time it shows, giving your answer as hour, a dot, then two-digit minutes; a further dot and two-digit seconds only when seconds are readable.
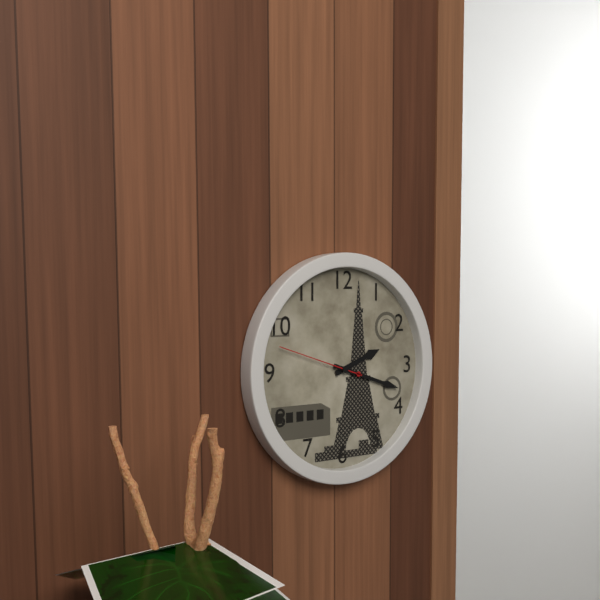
2.18.48
